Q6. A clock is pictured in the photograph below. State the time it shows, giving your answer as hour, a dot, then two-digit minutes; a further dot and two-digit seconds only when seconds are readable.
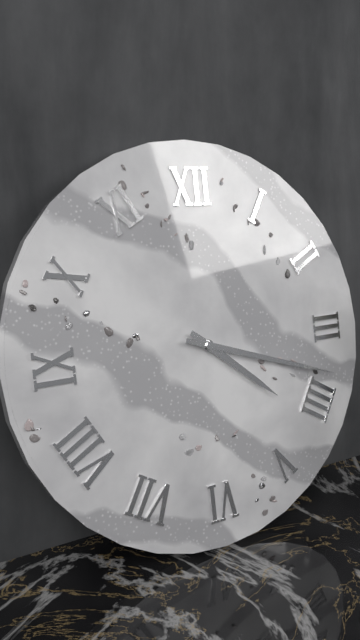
4.18
